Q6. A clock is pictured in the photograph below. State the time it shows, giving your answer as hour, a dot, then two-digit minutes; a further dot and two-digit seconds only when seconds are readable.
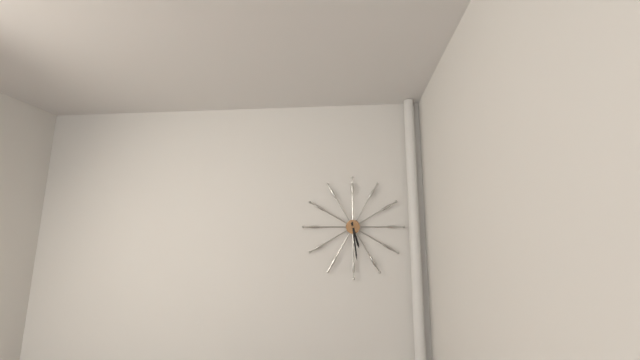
5.29
